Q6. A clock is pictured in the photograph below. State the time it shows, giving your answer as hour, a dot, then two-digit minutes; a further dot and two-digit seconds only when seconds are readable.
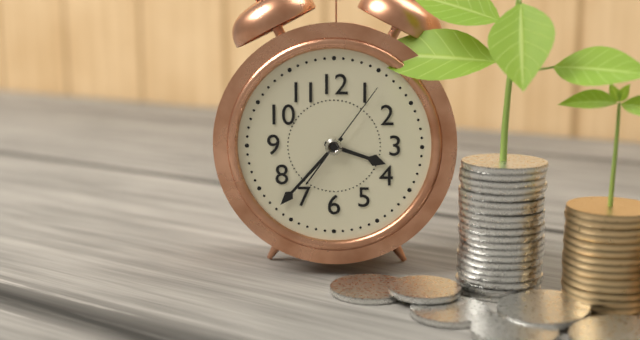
3.37.06
